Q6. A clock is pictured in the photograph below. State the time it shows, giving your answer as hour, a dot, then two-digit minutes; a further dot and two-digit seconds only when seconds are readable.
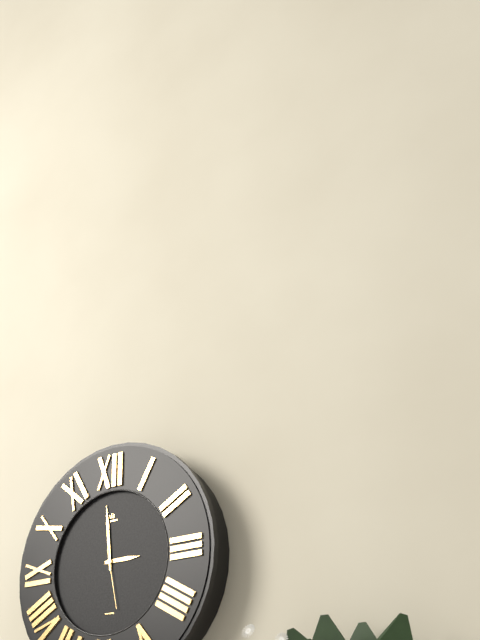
2.59.28
